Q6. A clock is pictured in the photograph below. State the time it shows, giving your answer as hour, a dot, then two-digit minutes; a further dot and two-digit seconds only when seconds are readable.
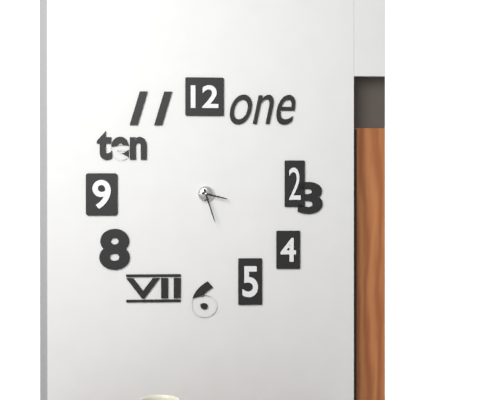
3.27
